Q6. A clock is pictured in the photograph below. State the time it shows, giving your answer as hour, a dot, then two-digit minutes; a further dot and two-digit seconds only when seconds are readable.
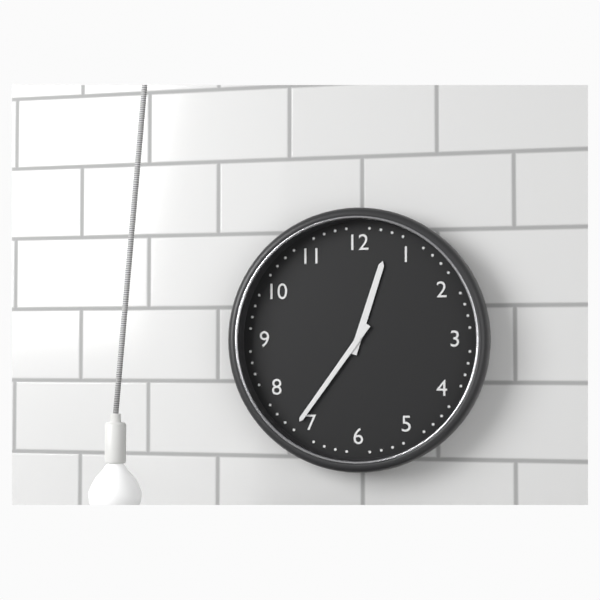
12.36
